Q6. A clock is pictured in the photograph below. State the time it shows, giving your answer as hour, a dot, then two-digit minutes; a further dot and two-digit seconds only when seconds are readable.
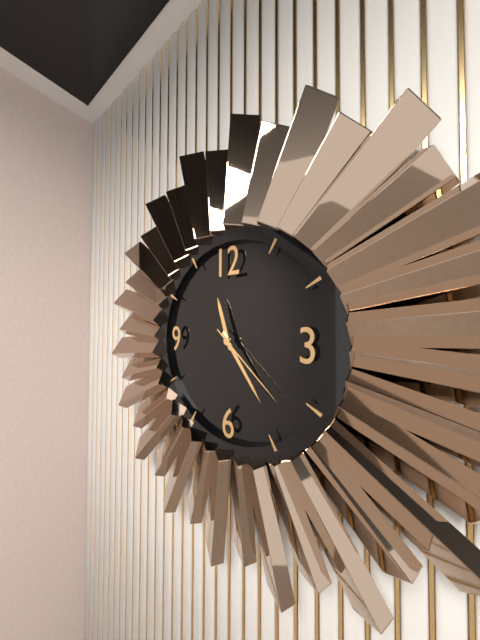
11.24.22
